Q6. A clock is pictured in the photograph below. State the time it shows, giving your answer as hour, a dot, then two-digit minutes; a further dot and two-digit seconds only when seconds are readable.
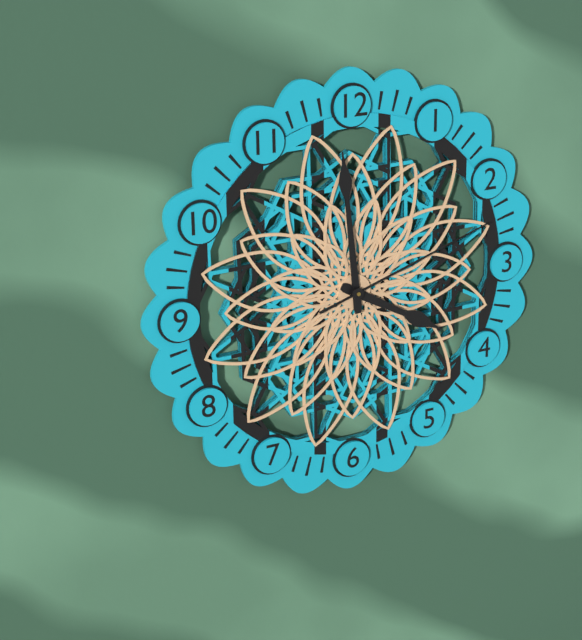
3.59.12
